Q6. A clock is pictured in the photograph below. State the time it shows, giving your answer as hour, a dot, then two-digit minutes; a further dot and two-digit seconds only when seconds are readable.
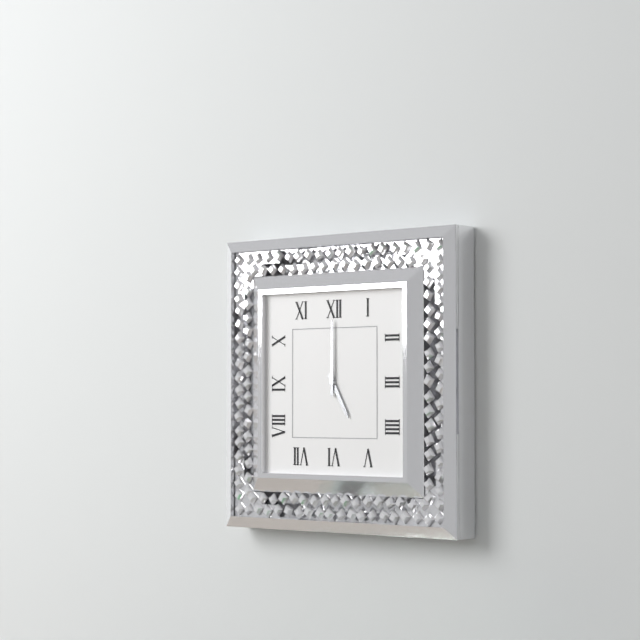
5.00
